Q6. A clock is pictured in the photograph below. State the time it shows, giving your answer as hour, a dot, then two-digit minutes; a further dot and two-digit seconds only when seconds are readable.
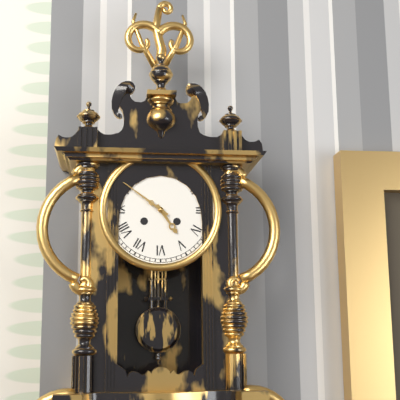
4.51
